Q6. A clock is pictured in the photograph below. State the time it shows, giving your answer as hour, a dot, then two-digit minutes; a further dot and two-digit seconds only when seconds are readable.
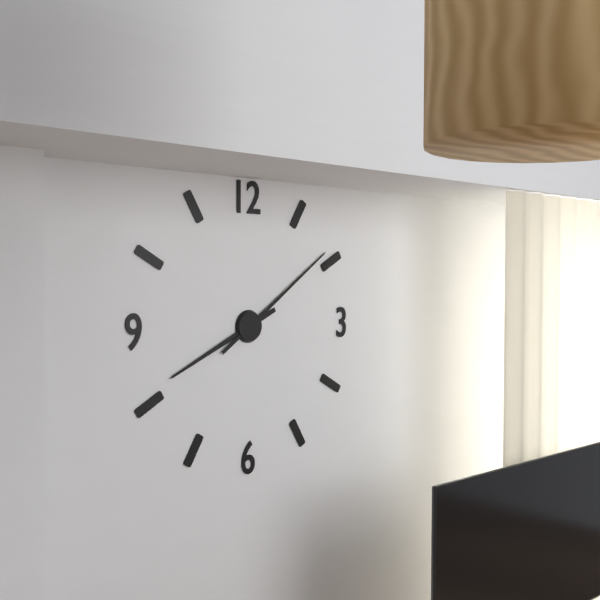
8.09
